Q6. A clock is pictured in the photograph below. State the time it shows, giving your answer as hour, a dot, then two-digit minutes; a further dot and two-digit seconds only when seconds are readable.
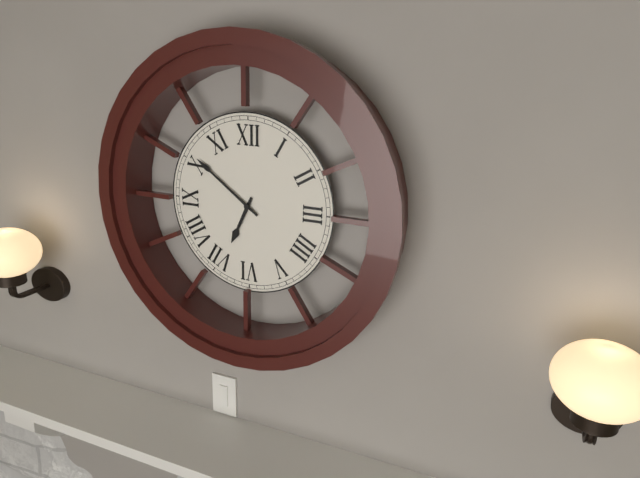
6.51
